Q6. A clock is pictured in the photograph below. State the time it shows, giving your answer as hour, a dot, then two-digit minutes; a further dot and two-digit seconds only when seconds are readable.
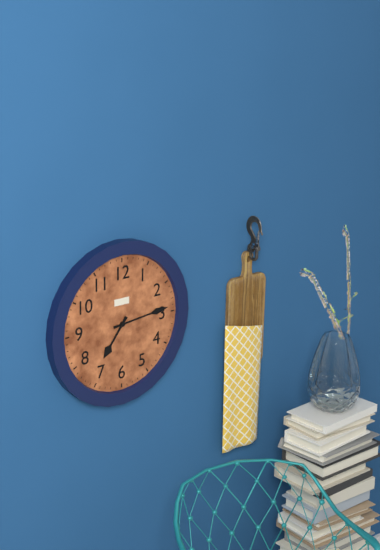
7.14
